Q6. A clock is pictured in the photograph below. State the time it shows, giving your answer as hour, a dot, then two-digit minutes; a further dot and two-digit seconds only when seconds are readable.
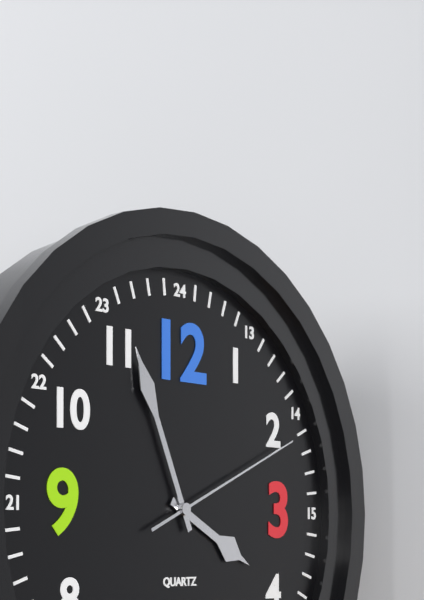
3.56.11
